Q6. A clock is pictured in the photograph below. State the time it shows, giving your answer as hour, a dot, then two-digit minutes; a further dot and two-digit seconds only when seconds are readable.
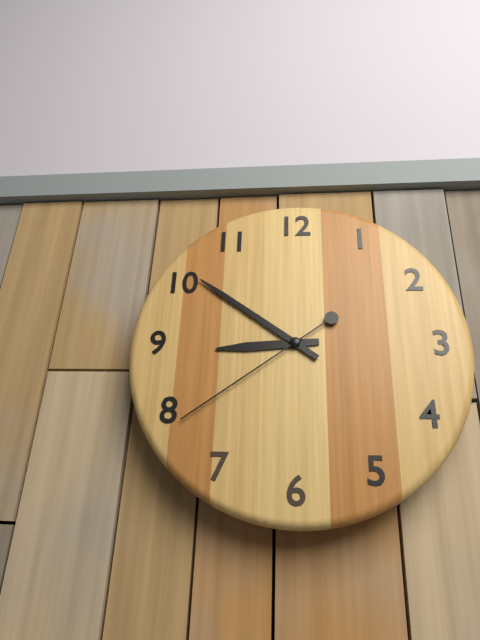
8.51.39
